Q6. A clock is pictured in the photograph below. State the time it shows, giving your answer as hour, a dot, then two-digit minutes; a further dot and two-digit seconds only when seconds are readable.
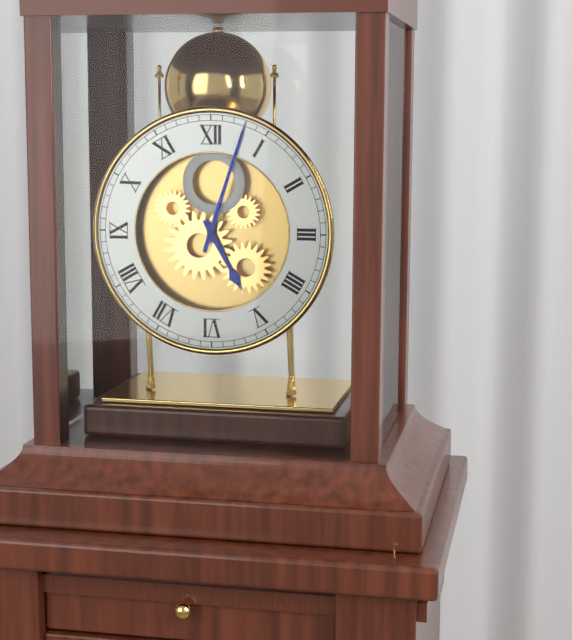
5.03
